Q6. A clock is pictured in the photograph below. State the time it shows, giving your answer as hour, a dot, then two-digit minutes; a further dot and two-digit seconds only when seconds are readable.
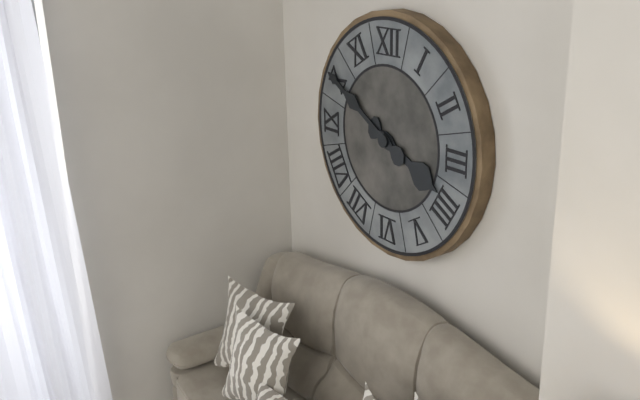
3.50
